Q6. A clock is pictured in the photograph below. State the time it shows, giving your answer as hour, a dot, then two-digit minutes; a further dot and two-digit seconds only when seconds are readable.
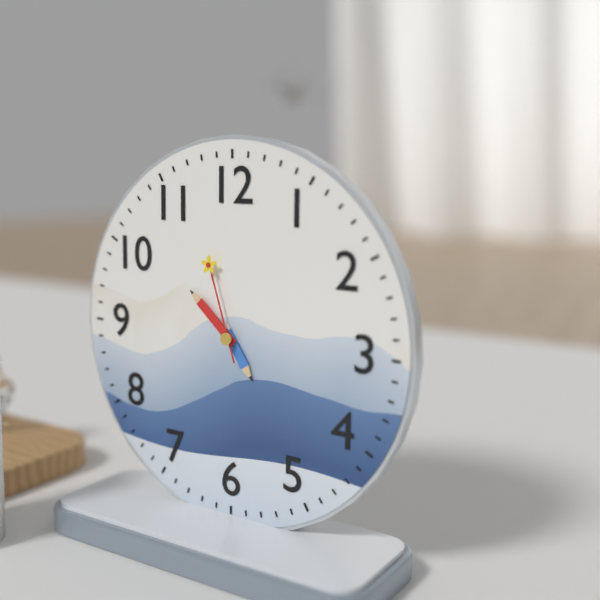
4.52.57
